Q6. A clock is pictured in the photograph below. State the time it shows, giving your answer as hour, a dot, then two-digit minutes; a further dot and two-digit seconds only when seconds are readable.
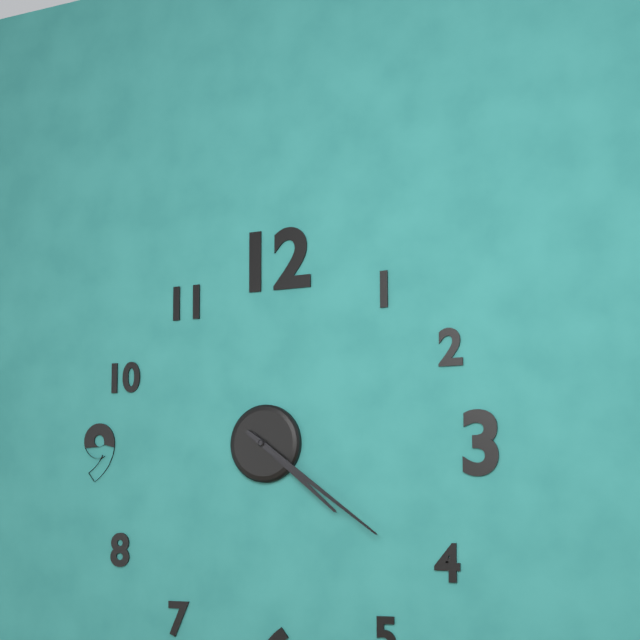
4.21
